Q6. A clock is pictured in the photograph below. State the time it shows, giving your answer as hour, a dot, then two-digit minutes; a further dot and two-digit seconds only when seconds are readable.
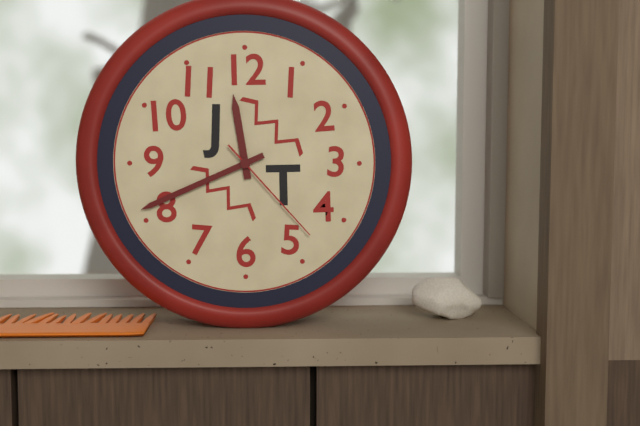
11.41.23
